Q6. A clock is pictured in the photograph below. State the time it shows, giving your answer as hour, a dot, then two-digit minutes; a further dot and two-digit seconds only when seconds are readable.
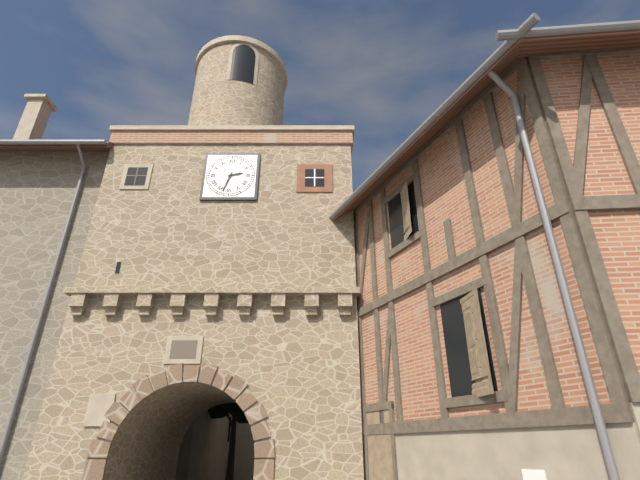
2.33
